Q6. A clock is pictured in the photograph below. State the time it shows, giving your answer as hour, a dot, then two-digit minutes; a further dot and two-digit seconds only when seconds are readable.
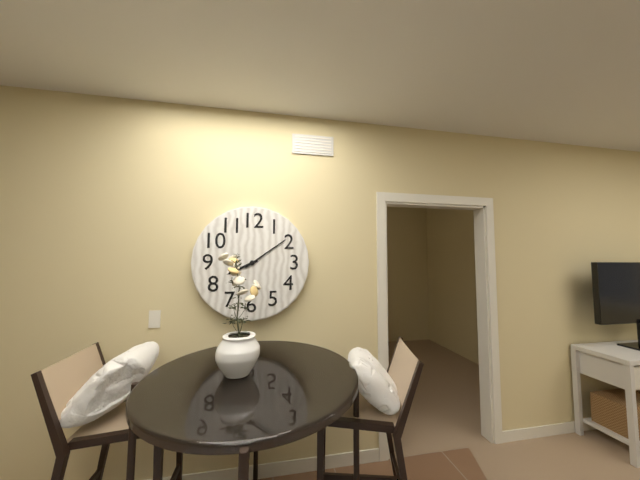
8.09
